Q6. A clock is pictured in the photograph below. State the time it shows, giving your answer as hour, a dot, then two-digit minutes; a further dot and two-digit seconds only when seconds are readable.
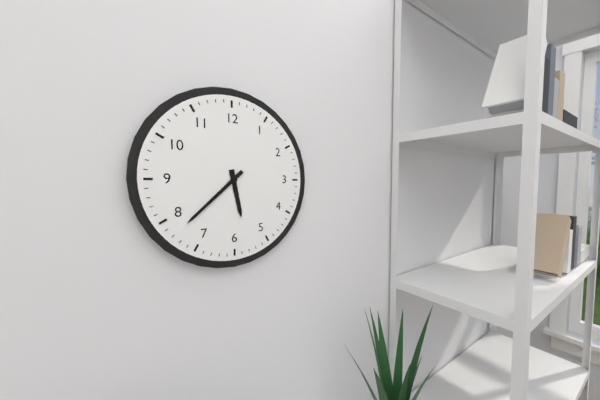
5.38
